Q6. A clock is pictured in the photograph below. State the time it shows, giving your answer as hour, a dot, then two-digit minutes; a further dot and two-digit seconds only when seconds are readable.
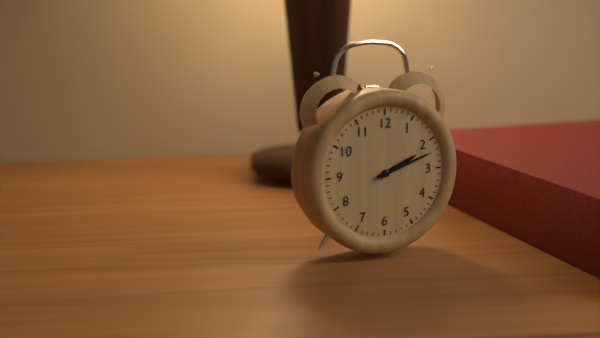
2.12
